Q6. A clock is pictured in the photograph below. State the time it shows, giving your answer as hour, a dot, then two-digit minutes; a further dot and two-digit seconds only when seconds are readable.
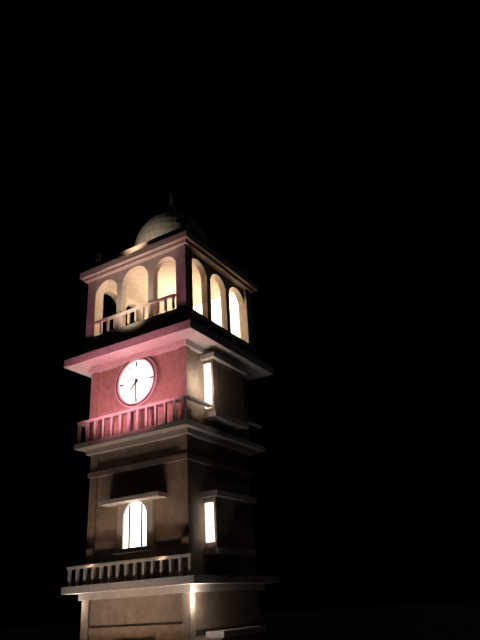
7.30
